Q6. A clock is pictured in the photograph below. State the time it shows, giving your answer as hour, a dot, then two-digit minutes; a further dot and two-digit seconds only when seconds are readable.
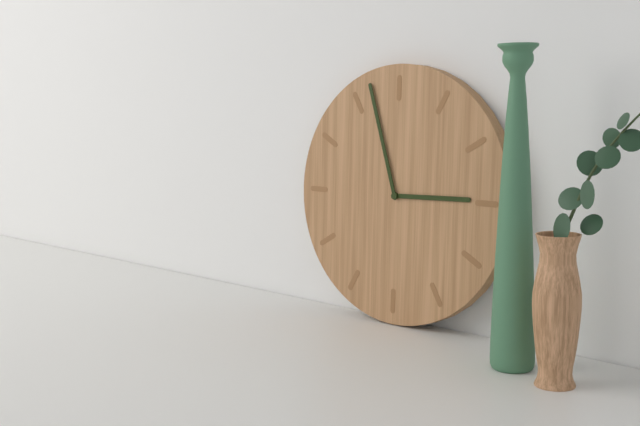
2.57
